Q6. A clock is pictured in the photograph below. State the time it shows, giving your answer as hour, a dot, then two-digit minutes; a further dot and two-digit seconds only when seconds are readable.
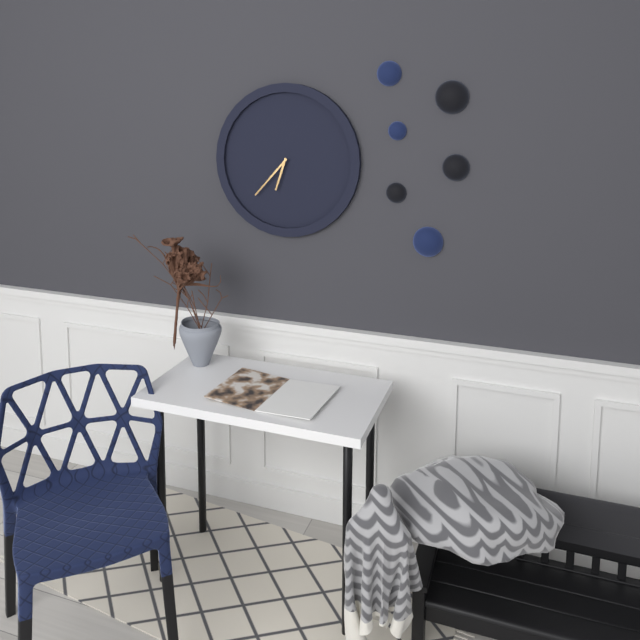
6.37
